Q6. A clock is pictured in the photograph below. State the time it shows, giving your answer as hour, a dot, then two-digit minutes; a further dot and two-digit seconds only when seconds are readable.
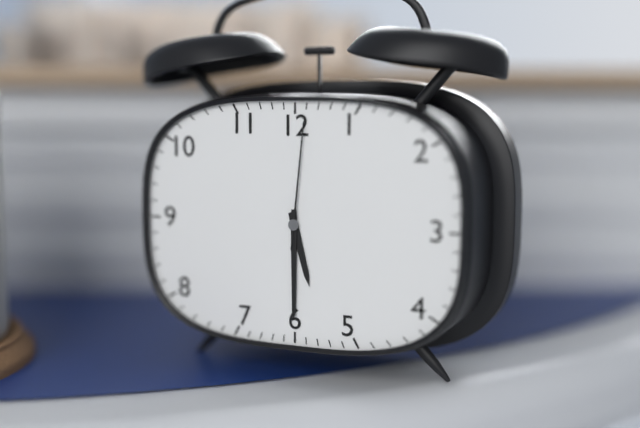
5.30.01
